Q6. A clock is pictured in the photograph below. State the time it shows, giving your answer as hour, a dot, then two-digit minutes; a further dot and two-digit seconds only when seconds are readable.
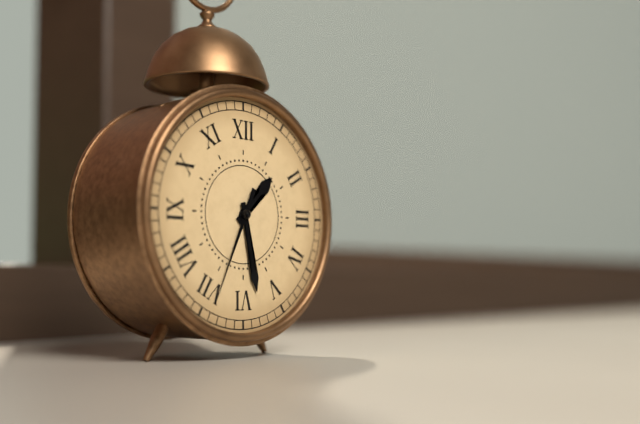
1.28.34
